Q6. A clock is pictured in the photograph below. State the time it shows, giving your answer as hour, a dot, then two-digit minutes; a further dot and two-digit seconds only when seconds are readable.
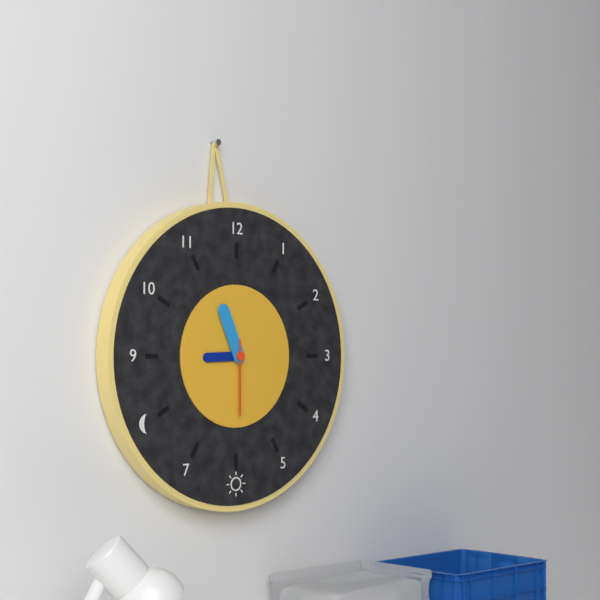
8.56.30
